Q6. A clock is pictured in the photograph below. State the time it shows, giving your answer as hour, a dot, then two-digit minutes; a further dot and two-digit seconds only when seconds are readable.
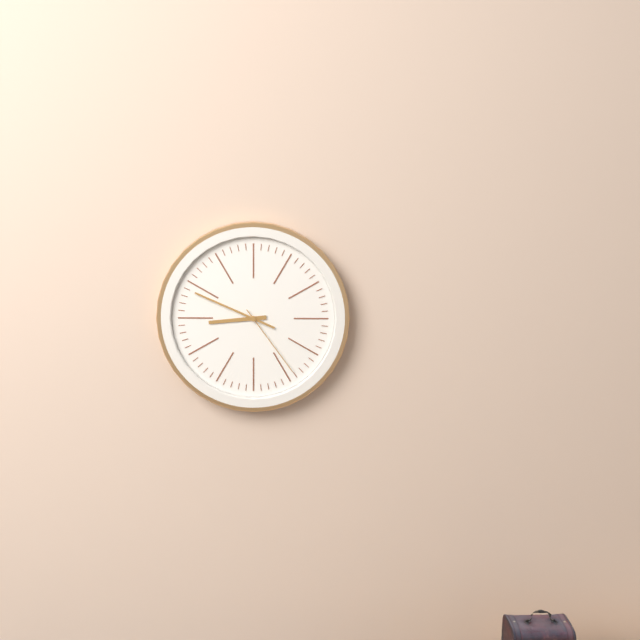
8.49.24
